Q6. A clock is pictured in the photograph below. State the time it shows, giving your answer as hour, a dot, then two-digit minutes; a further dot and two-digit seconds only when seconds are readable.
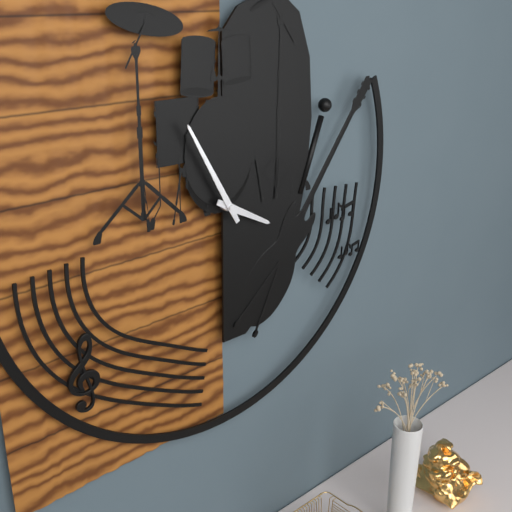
3.55
